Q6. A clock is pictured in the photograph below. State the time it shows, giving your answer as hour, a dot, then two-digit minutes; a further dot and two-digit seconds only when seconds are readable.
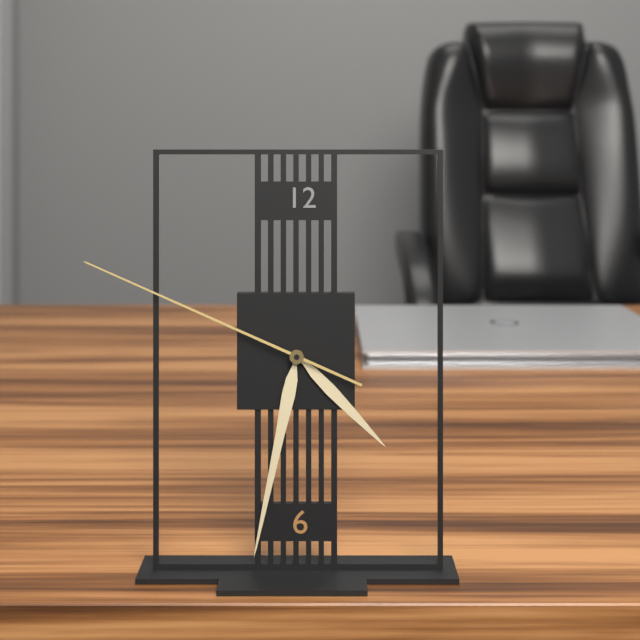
4.32.49
